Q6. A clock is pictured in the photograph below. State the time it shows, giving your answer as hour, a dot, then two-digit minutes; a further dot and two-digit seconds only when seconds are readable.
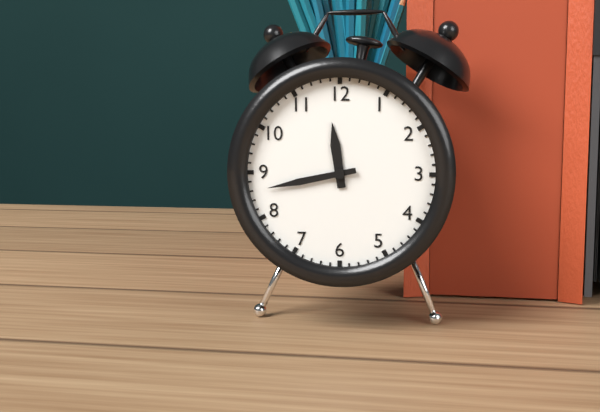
11.43
